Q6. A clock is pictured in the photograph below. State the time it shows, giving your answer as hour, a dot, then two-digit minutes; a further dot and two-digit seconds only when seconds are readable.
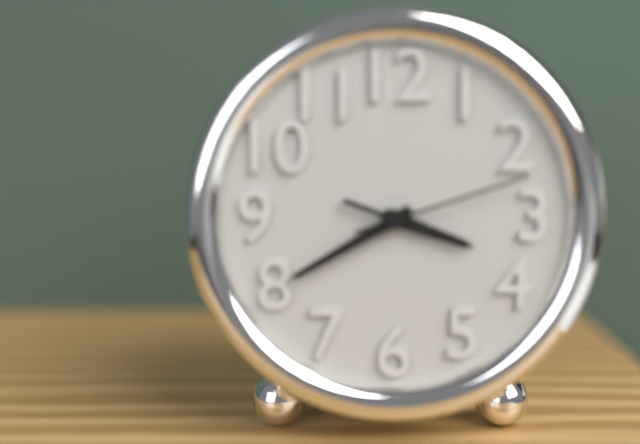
3.40.12
